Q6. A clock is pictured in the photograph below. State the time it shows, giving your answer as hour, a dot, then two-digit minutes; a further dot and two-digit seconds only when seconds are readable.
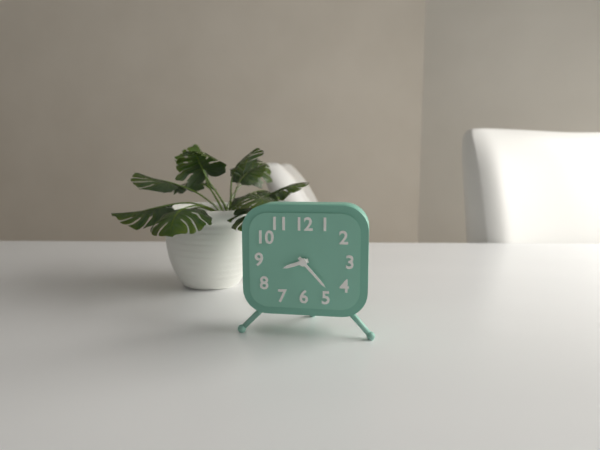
8.23
